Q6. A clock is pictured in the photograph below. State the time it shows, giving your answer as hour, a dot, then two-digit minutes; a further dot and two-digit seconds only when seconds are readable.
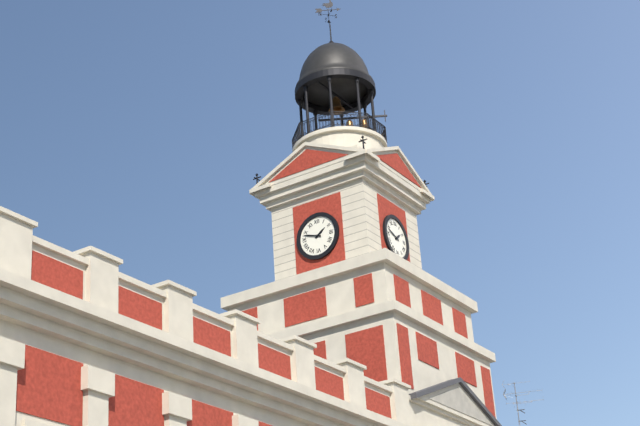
1.48
